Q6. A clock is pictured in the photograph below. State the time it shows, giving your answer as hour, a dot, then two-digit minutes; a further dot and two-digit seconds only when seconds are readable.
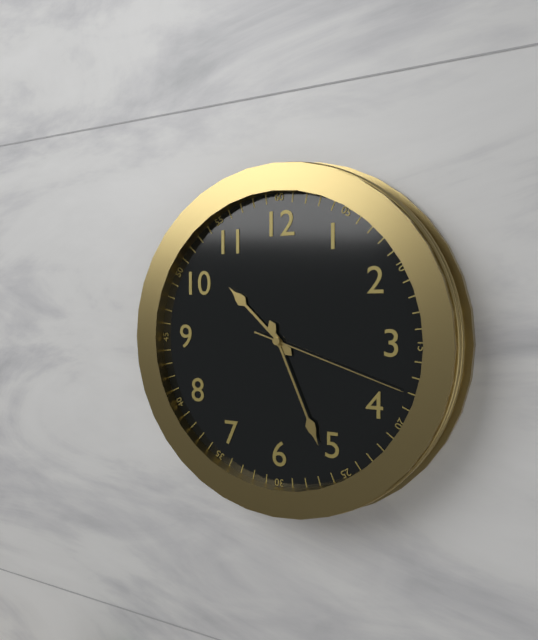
10.26.18
